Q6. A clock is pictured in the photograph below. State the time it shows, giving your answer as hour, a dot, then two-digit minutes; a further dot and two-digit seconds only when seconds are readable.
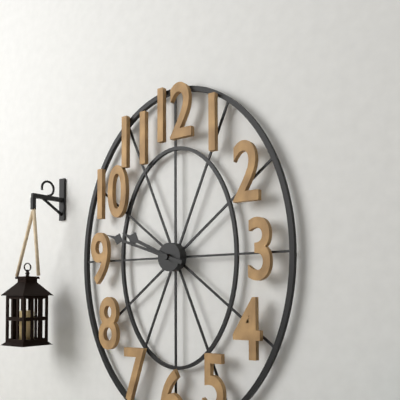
9.48
